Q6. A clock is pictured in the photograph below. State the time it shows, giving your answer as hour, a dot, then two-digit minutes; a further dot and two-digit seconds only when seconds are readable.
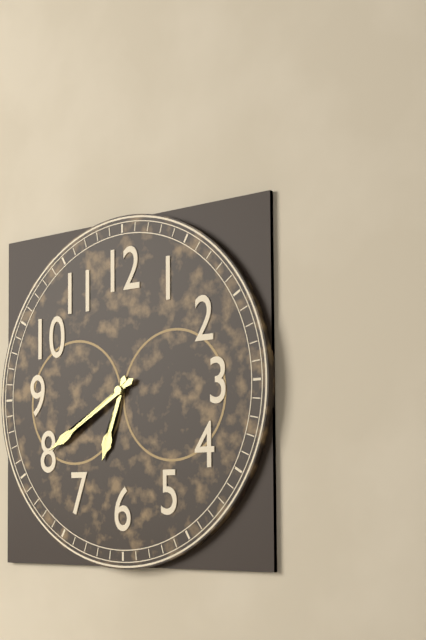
6.40
